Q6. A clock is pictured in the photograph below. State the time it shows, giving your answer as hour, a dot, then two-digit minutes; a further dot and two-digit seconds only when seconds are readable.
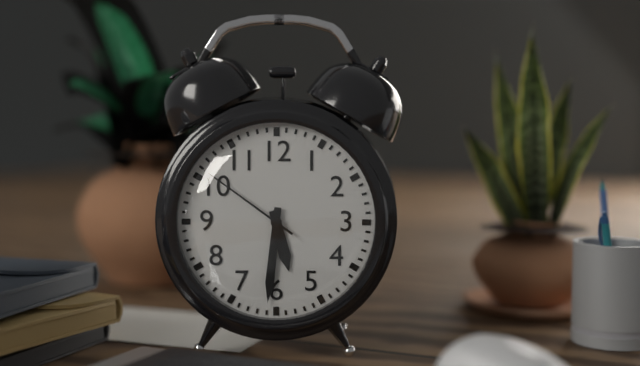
5.31.51
